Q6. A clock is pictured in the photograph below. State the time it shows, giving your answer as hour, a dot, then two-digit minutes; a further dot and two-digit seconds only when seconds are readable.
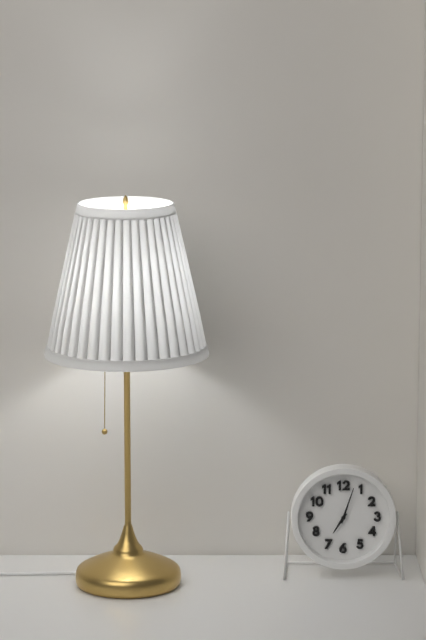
7.03
